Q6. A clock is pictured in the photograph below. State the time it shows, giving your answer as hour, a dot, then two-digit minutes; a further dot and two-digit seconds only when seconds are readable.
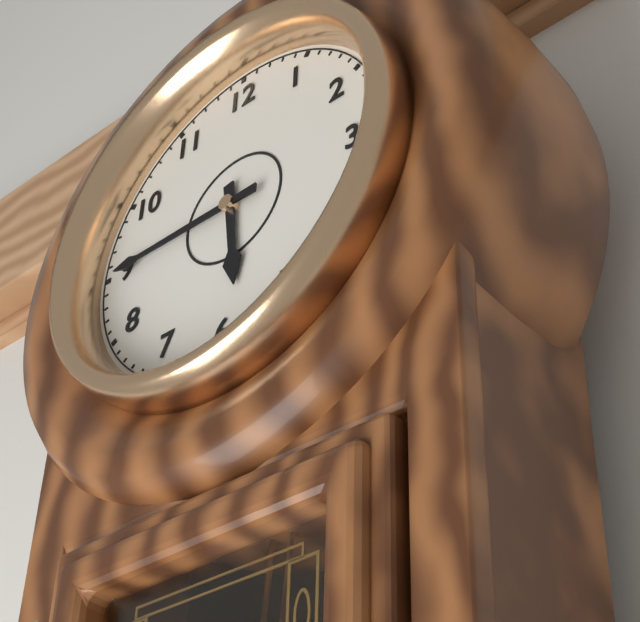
5.45
